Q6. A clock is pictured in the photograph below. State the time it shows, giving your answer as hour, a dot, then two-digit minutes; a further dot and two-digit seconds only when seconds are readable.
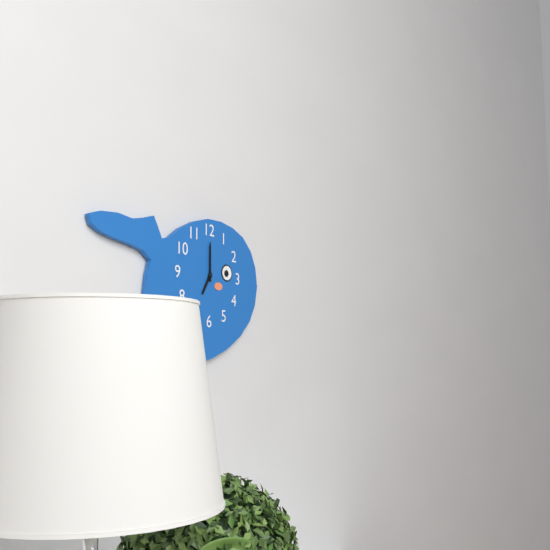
7.00
